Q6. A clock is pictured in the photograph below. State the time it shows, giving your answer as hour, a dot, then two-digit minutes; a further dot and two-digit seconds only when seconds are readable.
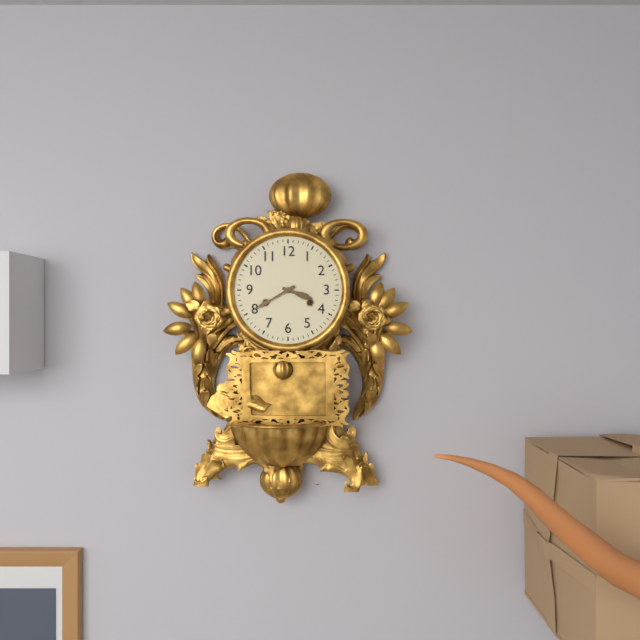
3.40
